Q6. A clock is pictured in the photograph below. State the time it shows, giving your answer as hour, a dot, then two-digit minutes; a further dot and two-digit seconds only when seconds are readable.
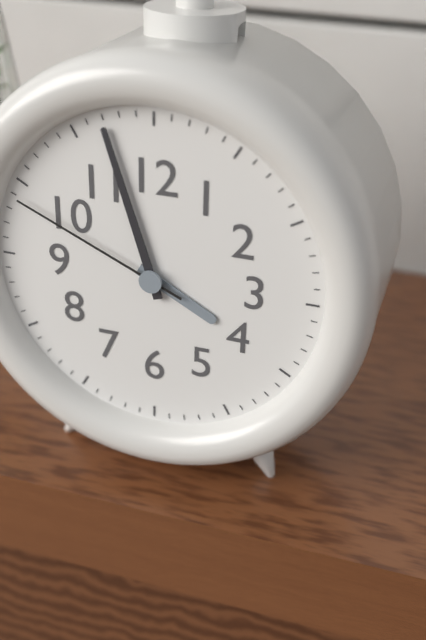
3.57.49
